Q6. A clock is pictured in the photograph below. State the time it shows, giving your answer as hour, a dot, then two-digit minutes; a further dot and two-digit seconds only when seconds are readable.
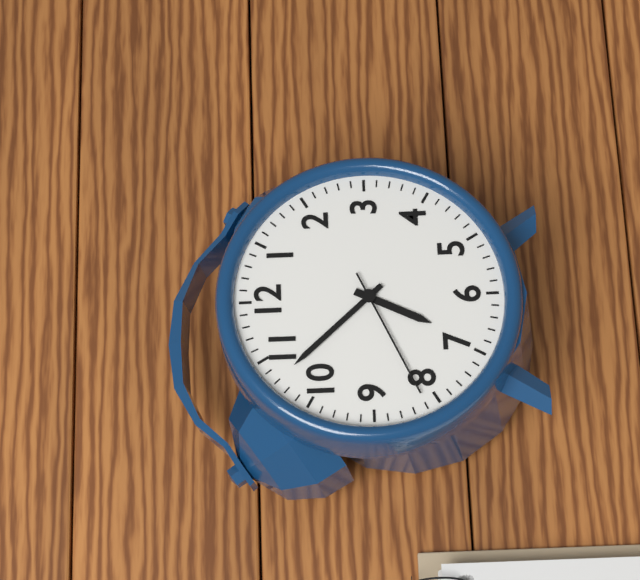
6.53.41
